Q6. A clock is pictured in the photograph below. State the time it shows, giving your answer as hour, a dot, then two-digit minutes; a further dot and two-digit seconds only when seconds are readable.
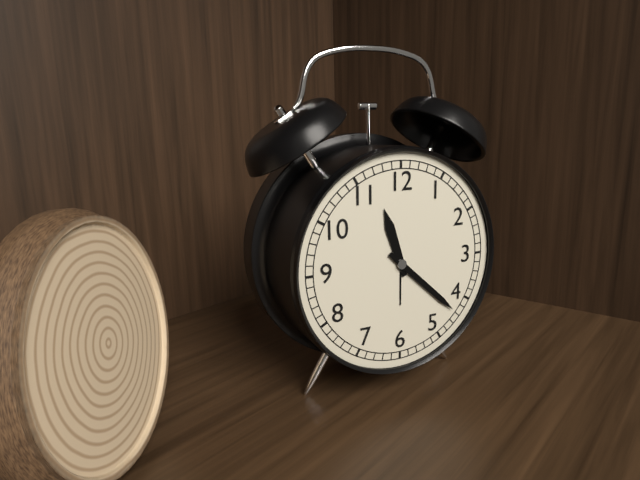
11.22
